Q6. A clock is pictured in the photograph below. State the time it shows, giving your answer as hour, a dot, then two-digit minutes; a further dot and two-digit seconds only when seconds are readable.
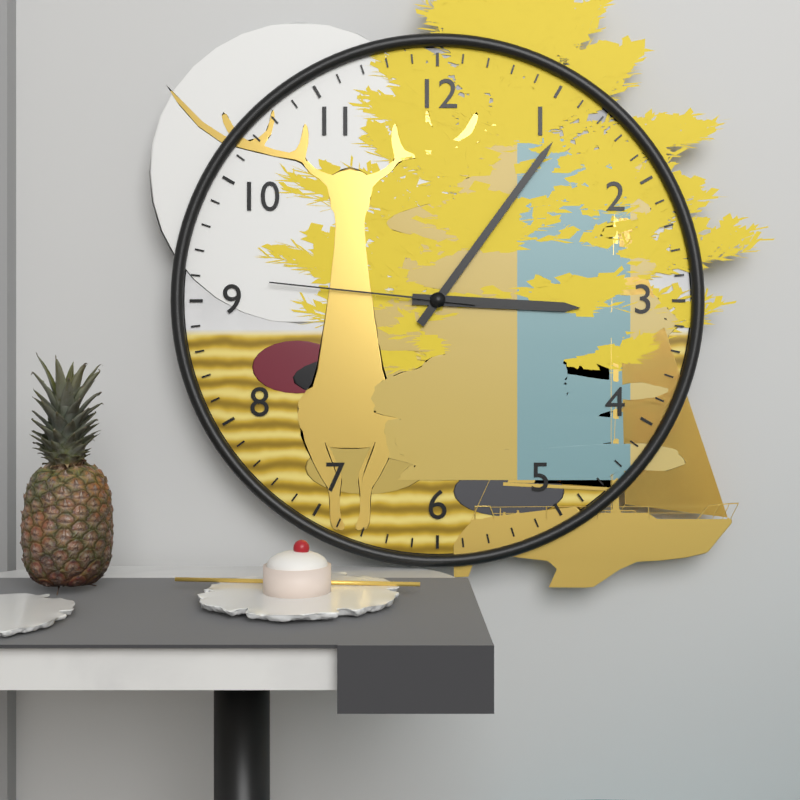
3.06.46
